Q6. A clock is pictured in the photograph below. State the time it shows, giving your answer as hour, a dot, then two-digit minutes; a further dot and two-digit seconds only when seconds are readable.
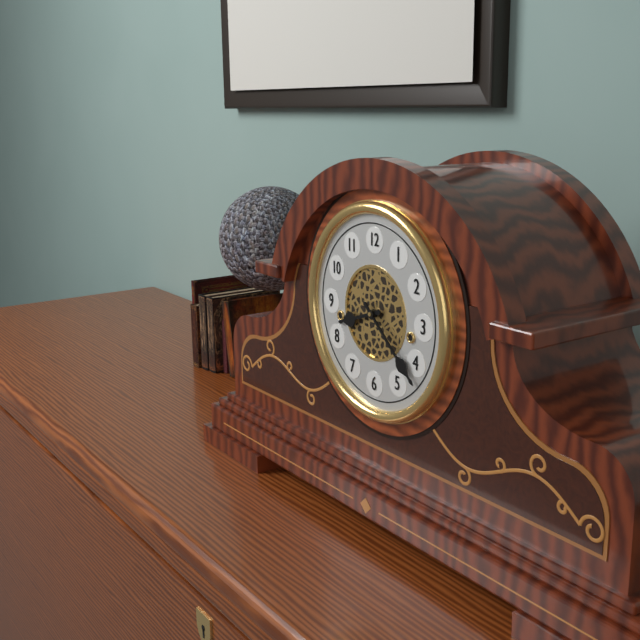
8.22
